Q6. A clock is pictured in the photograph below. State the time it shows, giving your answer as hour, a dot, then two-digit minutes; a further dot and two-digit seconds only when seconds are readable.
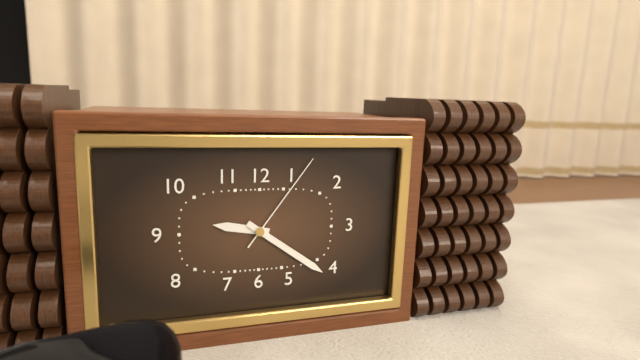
9.21.06
